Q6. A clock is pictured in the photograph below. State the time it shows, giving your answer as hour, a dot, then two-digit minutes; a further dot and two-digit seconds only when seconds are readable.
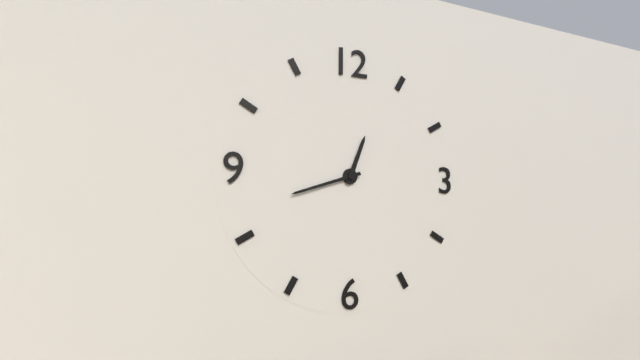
12.42
